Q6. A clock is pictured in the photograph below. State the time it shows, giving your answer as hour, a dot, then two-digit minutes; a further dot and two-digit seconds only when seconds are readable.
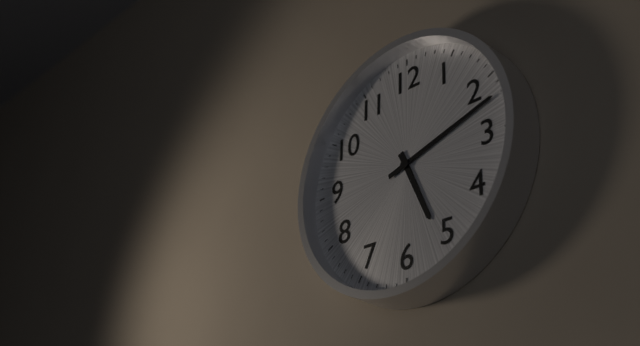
5.12
